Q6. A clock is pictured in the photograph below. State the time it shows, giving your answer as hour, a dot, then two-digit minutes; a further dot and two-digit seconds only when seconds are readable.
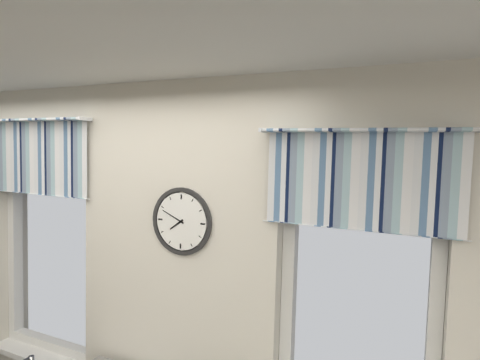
7.49
